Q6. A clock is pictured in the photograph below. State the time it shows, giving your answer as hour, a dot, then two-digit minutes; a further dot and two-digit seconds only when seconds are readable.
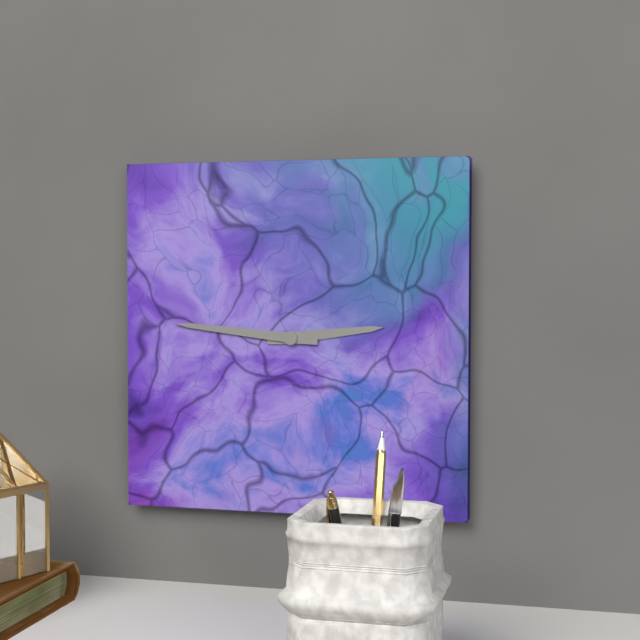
2.46
